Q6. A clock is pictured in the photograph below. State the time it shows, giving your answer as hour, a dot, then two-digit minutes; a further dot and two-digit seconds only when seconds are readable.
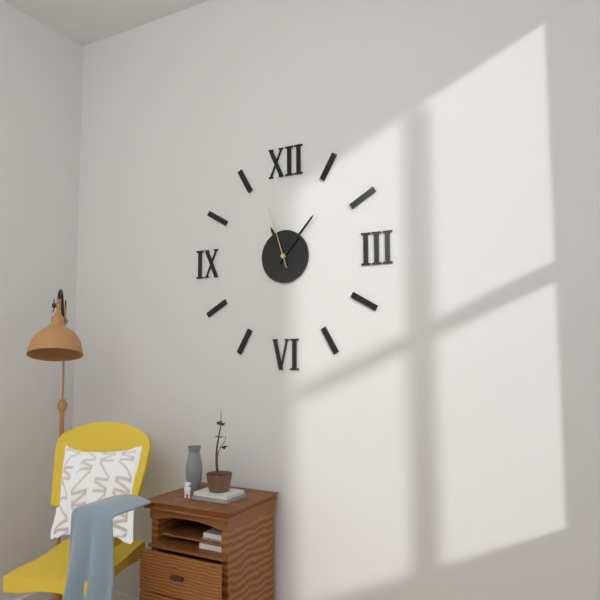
11.07.57
